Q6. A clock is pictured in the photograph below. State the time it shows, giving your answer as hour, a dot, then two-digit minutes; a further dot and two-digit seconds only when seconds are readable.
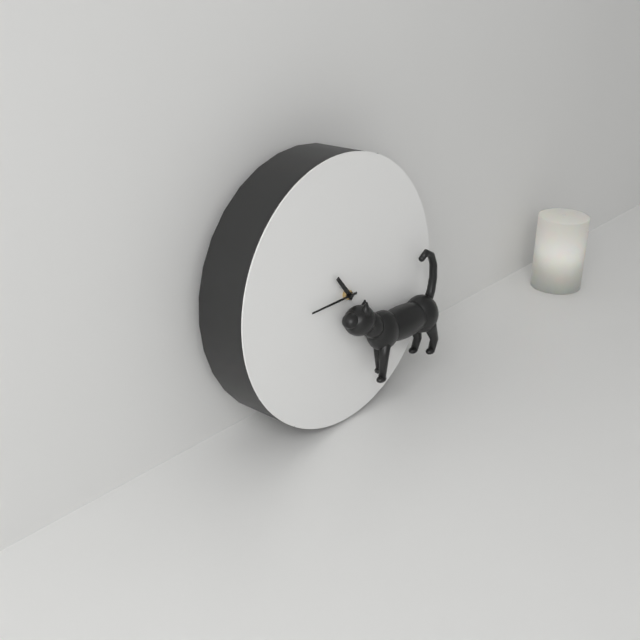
10.45
